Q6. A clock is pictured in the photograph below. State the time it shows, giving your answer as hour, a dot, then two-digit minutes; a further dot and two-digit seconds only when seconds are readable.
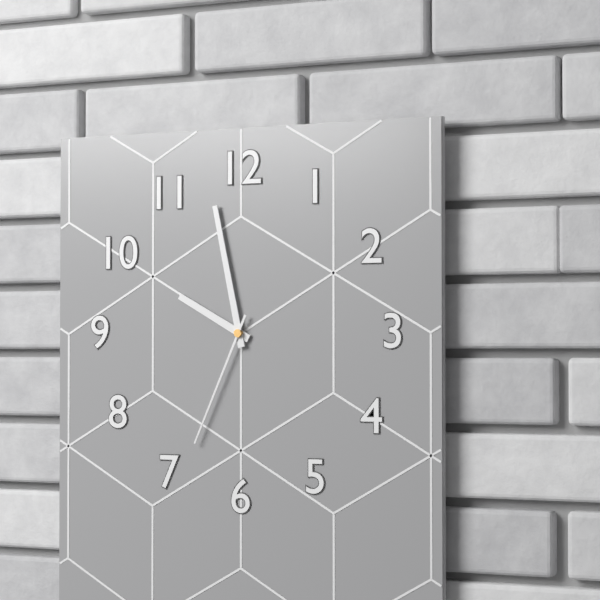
9.58.34
